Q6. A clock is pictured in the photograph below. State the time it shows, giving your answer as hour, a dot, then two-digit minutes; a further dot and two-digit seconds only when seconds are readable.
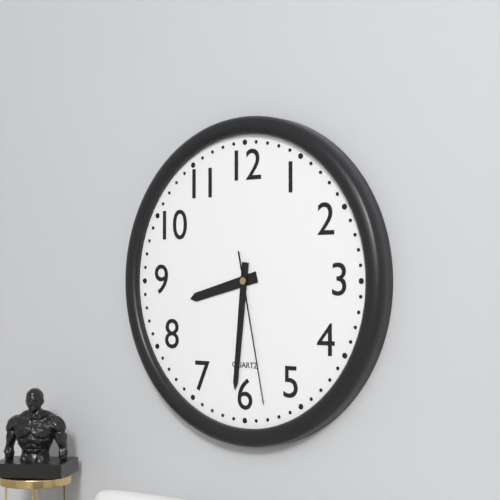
8.31.28
